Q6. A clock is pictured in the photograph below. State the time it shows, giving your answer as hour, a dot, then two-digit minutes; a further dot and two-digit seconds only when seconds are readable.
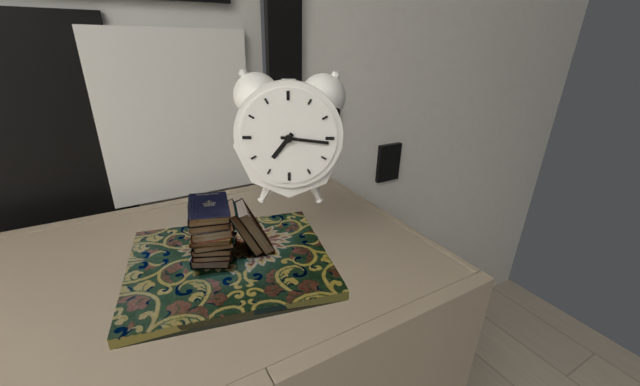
7.16
